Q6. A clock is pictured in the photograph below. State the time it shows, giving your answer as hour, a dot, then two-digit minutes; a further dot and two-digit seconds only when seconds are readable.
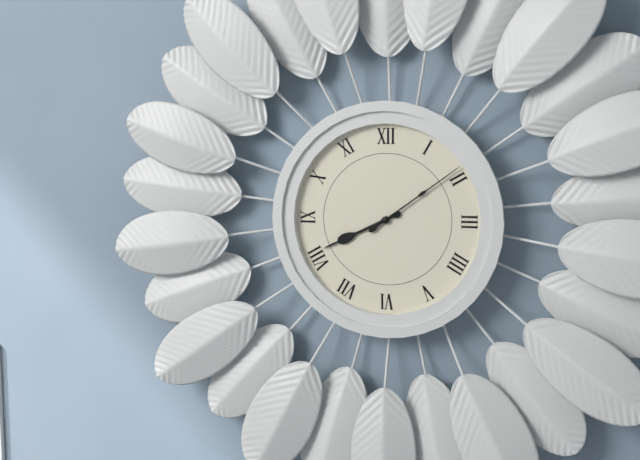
8.09
